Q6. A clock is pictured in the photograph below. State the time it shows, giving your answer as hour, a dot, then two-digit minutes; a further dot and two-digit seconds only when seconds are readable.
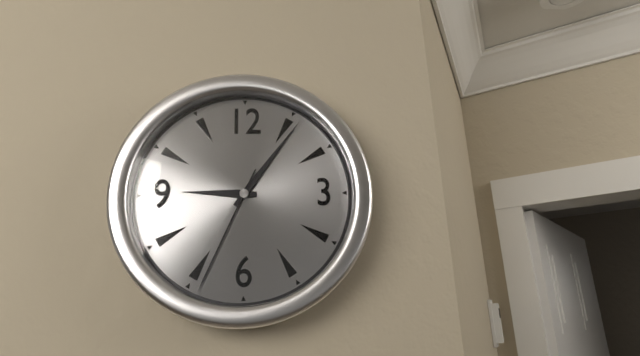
9.06.34
